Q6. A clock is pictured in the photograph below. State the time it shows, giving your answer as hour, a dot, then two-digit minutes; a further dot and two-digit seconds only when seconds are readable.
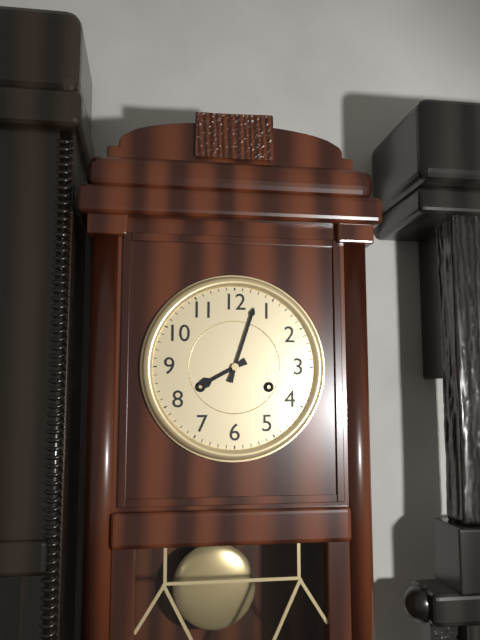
8.03
